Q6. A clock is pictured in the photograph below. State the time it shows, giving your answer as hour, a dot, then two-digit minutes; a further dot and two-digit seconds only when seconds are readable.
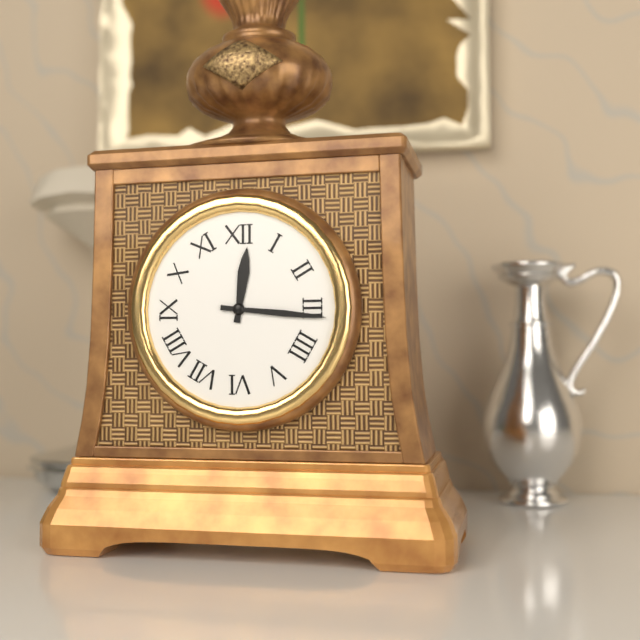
12.16
